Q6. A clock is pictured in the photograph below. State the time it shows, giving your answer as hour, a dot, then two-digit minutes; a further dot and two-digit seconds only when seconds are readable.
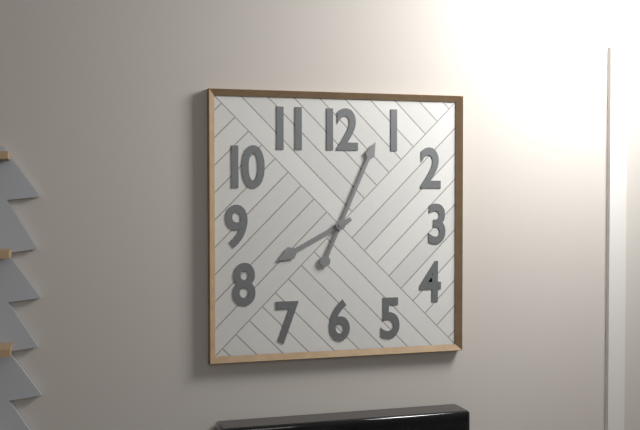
8.04
